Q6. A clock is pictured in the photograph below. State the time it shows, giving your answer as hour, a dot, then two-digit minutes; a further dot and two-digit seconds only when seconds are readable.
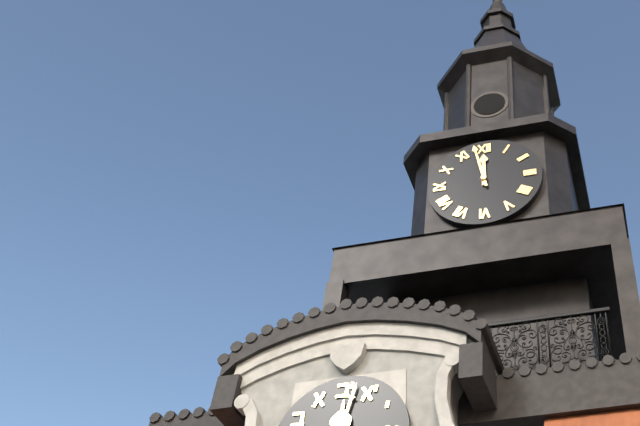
11.58
